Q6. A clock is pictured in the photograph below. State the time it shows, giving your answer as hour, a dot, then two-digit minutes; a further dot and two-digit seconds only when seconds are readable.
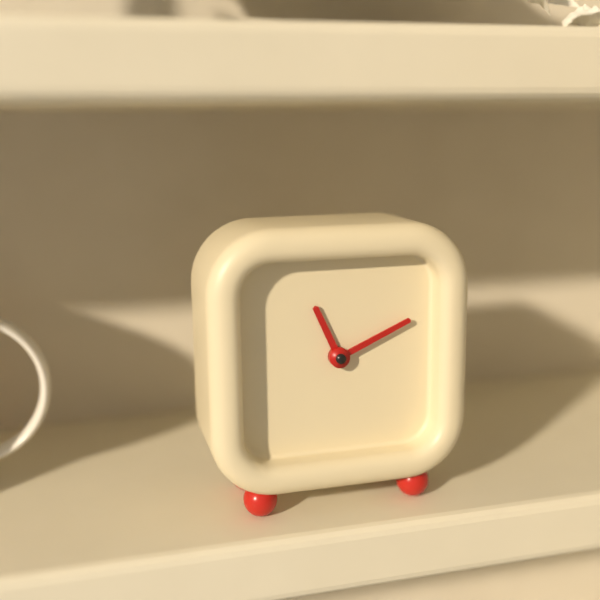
11.11
